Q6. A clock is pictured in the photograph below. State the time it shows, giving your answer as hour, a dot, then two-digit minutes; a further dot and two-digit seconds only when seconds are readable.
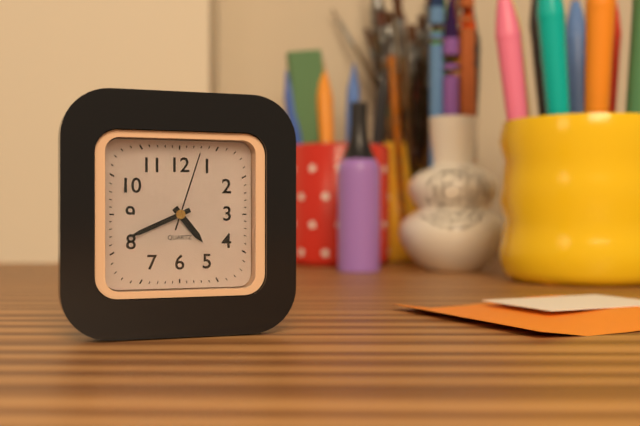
4.41.03
